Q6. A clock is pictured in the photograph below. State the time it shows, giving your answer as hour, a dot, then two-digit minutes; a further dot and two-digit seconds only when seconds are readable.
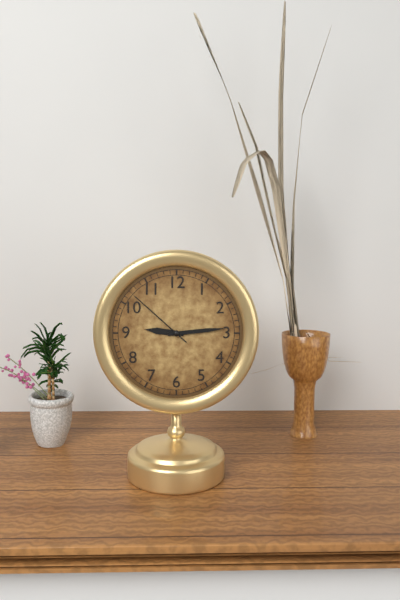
9.14.52
